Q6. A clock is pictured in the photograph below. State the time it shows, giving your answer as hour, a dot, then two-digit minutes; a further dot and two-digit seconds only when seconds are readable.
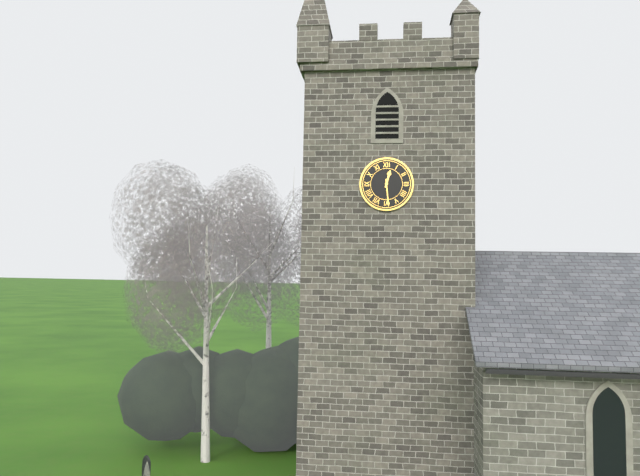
12.29
